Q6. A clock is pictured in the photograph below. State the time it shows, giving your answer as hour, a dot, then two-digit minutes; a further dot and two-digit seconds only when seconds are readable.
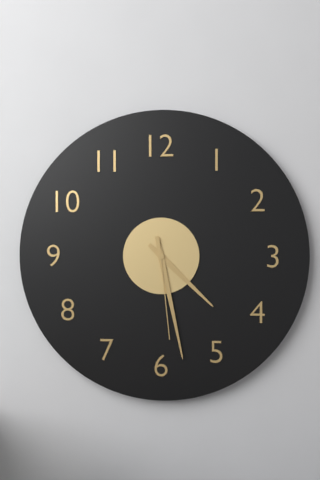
4.28.29
